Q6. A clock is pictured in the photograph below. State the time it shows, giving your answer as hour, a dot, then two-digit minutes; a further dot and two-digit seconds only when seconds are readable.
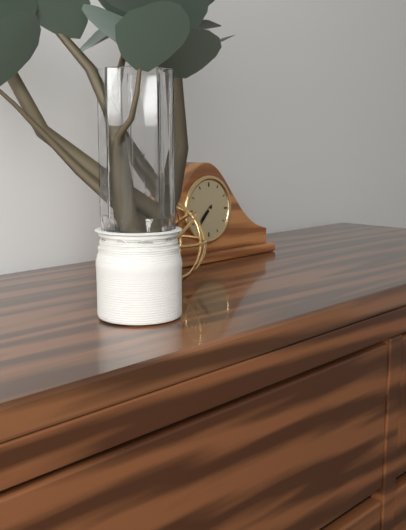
7.37
